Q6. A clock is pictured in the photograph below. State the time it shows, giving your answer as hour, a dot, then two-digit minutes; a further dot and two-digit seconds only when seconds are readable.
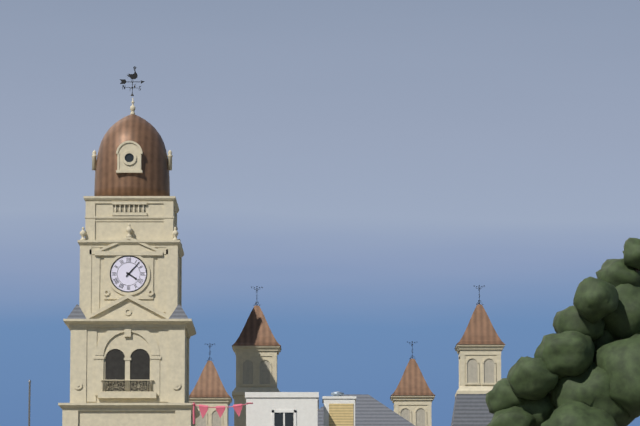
4.07
